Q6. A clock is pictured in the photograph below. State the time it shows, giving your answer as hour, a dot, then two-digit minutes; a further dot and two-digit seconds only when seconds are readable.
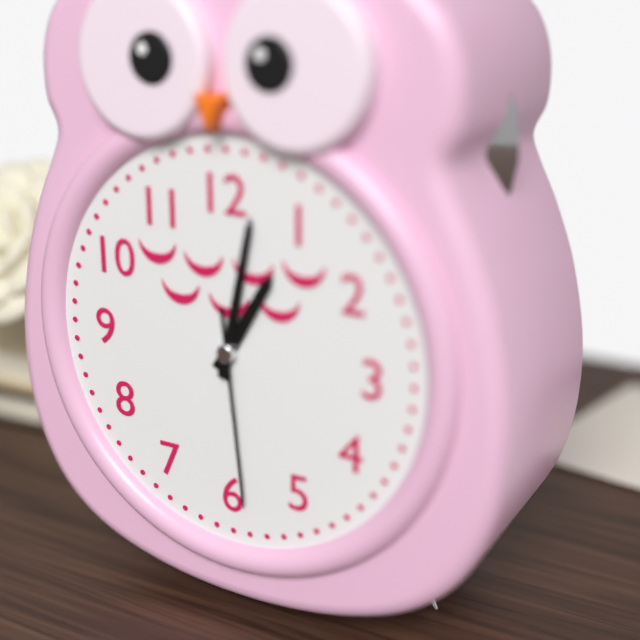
1.02.29
